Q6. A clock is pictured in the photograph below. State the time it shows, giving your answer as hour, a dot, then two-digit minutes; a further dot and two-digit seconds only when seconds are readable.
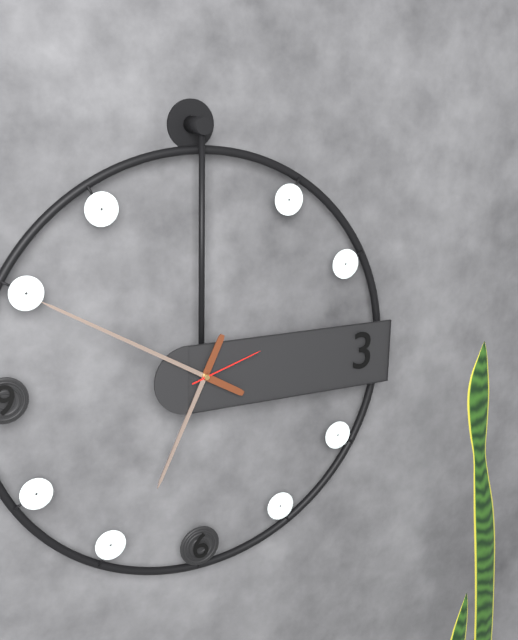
6.50.12
